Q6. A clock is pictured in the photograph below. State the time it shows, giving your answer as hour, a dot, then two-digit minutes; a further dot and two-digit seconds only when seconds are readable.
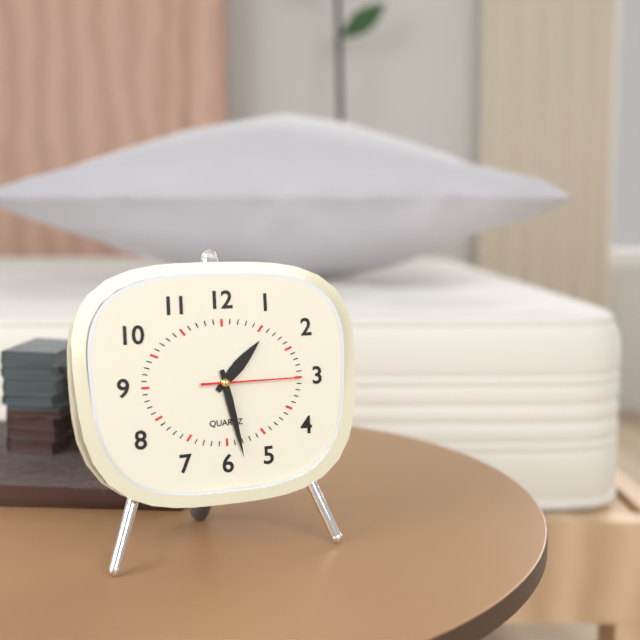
1.28.15
